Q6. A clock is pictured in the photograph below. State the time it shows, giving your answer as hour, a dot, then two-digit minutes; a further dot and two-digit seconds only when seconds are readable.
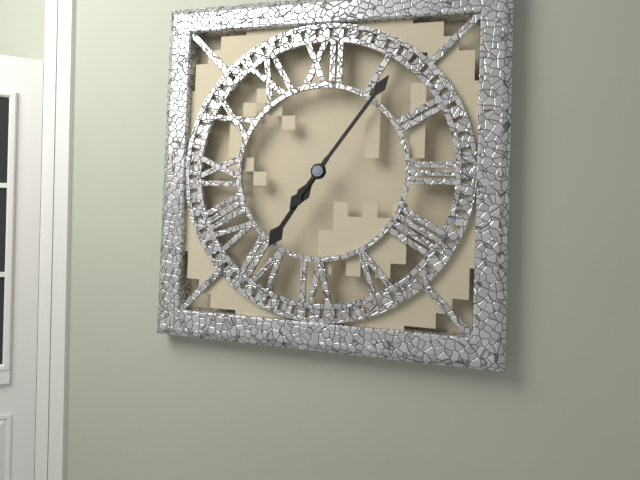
7.06
